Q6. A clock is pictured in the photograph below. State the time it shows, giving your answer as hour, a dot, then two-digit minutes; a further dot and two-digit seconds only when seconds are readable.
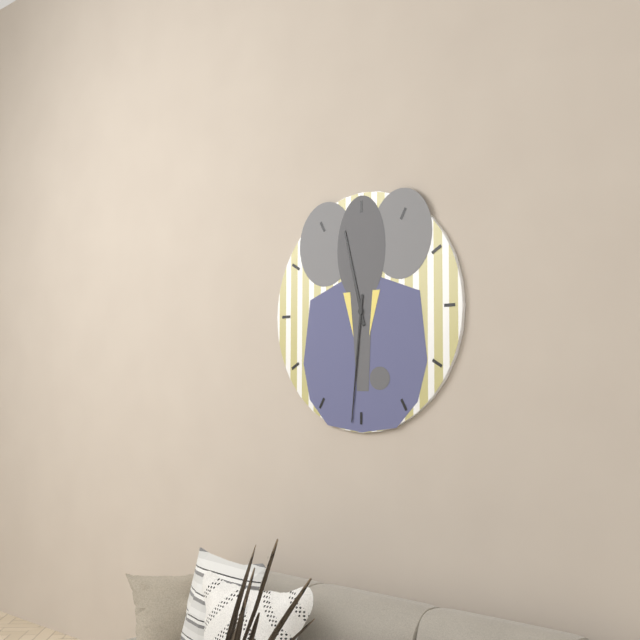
11.31
